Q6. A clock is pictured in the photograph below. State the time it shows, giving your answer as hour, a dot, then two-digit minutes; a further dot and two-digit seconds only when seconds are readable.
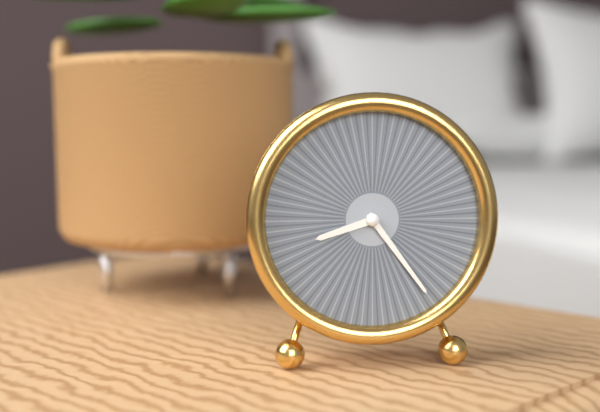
8.24
